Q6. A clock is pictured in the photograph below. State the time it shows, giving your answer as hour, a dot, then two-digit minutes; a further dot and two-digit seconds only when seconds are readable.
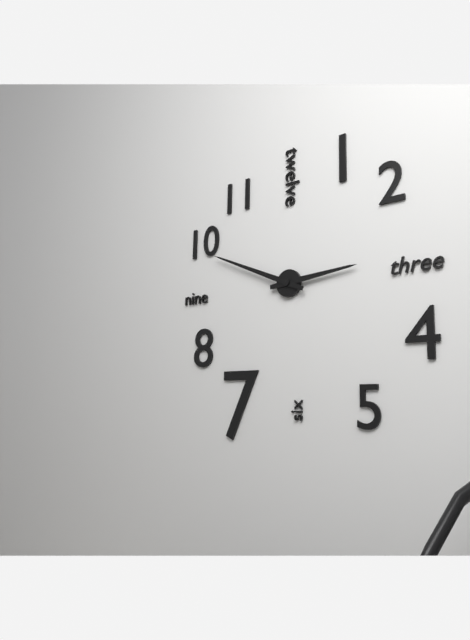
2.49
